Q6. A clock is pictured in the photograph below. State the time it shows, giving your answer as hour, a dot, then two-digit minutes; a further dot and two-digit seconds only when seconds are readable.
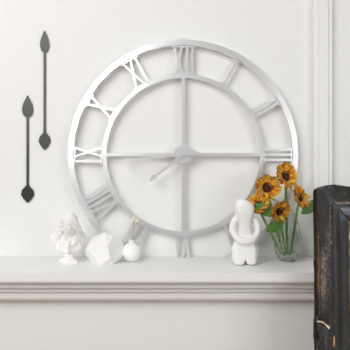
7.44
